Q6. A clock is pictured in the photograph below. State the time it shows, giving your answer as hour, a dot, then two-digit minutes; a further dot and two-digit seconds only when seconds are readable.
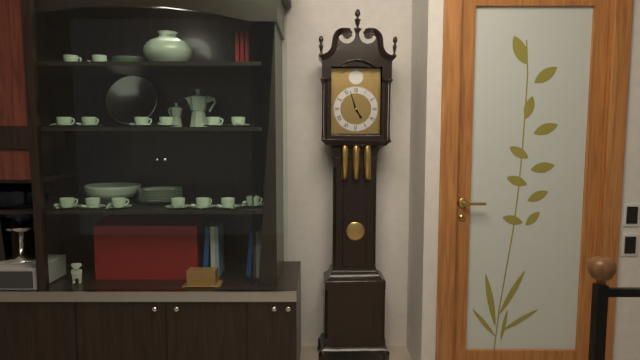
4.57
